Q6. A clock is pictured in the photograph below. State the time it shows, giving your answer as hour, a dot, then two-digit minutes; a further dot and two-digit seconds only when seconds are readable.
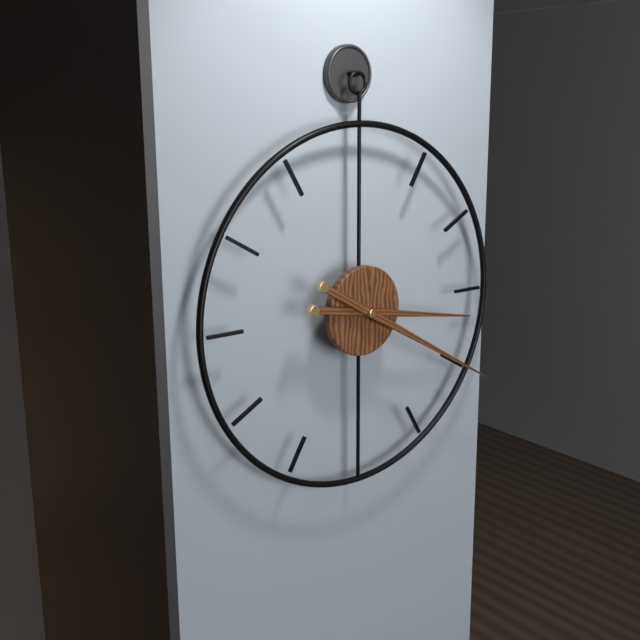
3.20
